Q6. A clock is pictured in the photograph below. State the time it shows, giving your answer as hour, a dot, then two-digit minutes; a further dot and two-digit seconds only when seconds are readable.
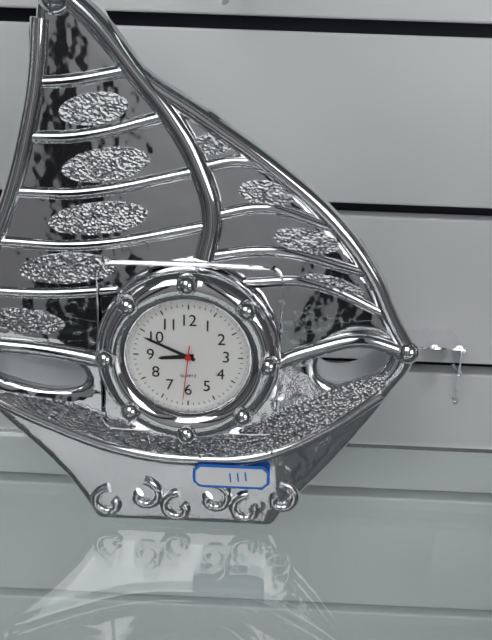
8.49.31
